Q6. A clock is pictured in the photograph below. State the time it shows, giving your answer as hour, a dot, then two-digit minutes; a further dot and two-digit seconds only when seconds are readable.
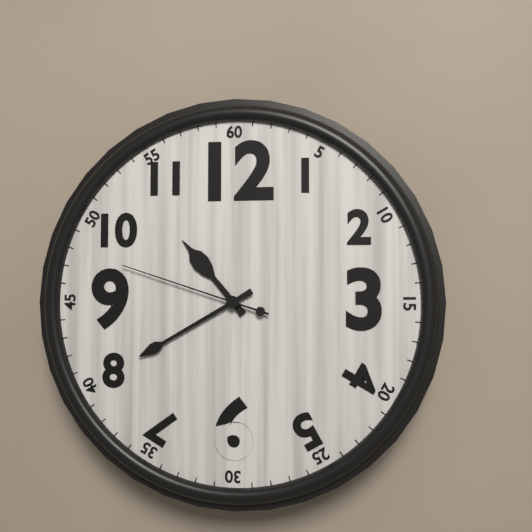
10.40.48
